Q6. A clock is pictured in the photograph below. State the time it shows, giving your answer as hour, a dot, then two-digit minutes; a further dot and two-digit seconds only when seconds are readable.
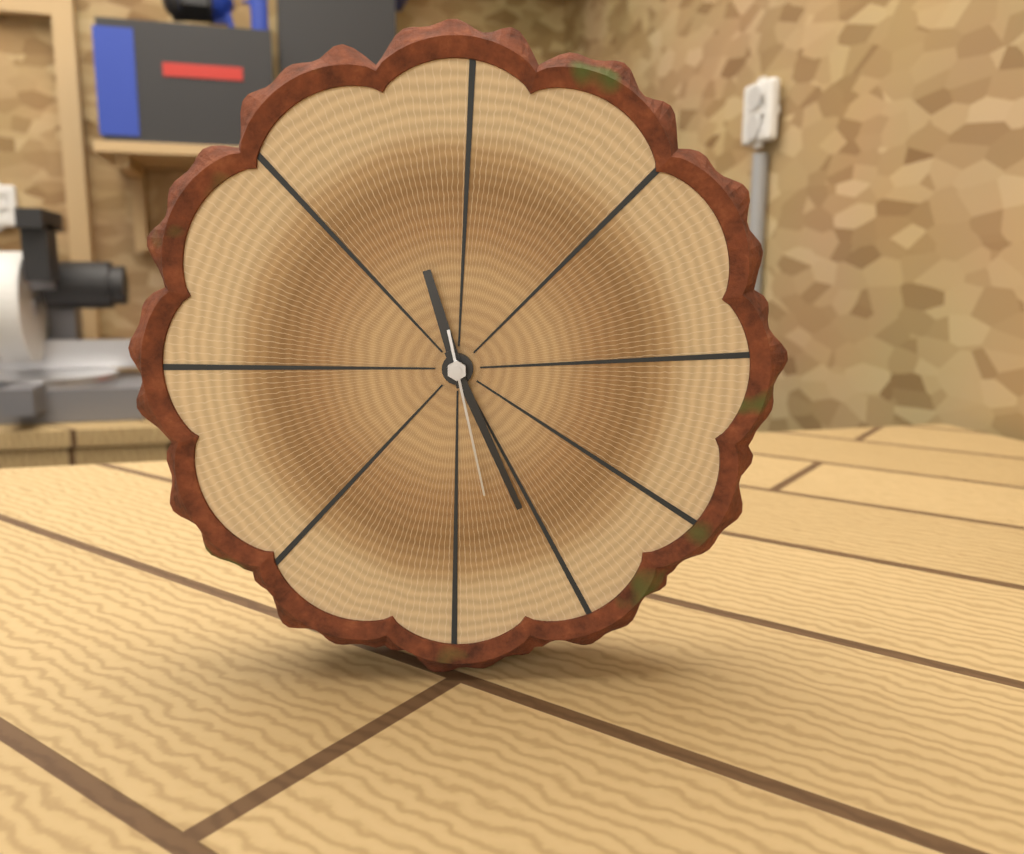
11.26.28
